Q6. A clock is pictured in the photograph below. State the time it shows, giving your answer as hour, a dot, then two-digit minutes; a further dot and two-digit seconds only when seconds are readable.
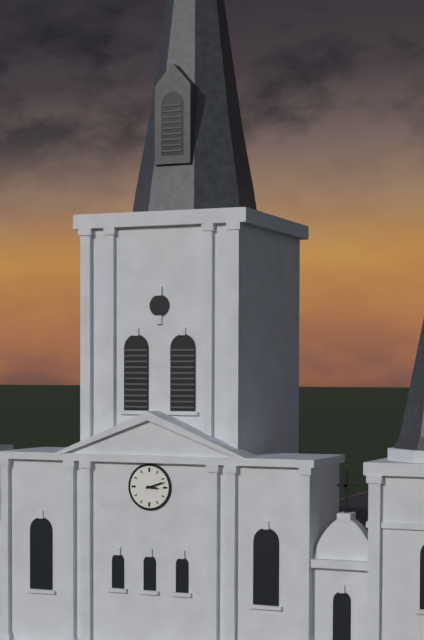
3.12
